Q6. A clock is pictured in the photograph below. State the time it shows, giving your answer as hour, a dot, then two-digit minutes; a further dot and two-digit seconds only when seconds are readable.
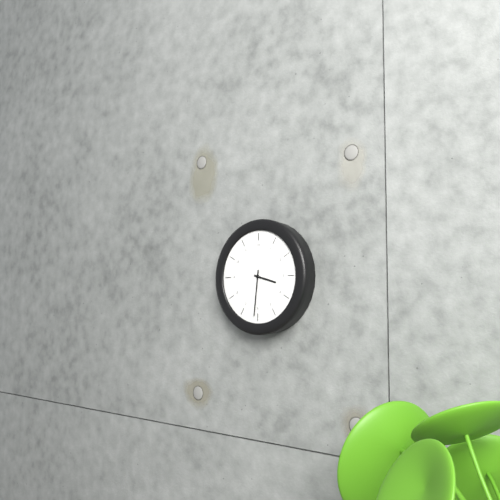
3.31
